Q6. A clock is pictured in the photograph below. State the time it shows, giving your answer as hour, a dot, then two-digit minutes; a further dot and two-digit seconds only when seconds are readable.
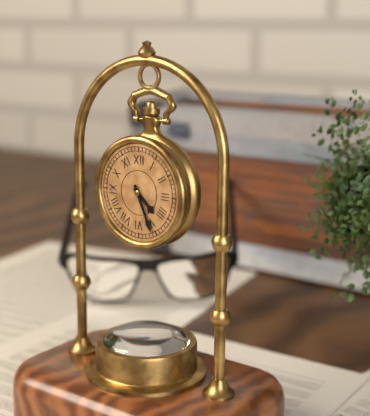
4.26
